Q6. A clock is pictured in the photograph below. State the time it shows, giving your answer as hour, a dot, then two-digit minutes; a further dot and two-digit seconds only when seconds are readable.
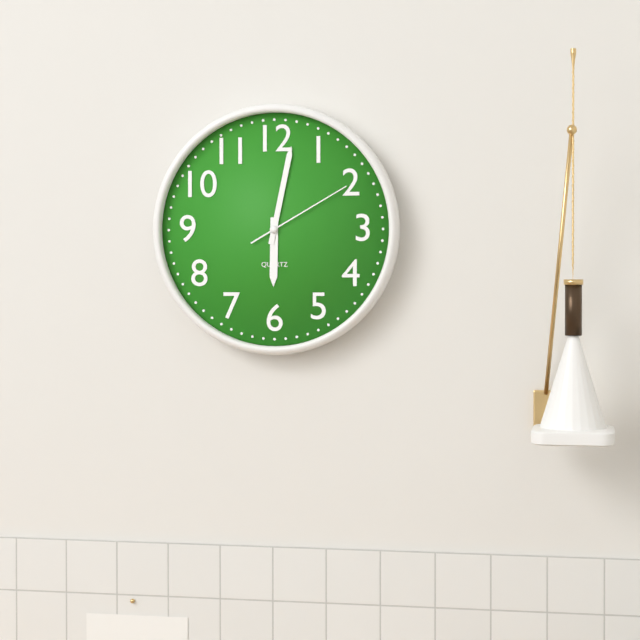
6.02.10
